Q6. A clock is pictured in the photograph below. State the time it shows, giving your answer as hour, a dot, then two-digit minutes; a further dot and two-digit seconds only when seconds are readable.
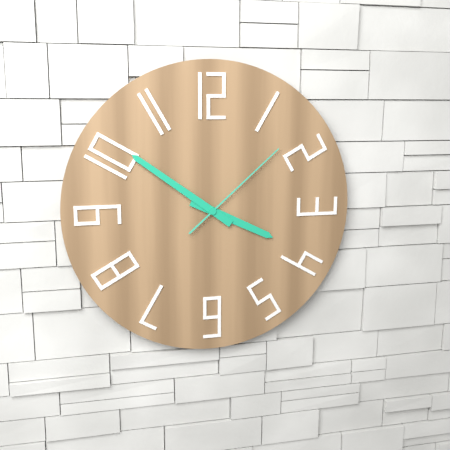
3.51.08
